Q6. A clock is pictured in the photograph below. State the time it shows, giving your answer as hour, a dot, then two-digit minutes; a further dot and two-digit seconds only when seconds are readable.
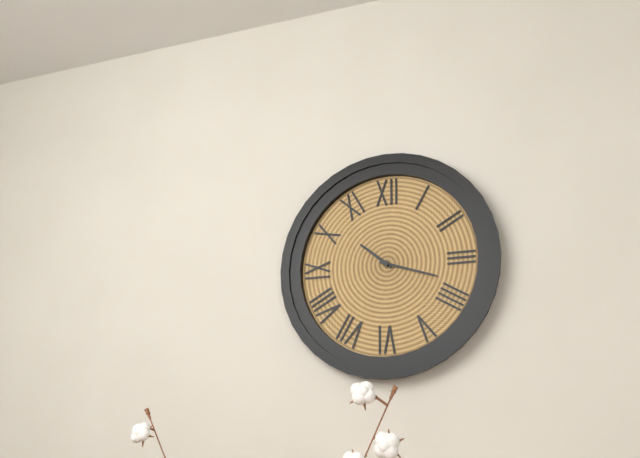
10.18
